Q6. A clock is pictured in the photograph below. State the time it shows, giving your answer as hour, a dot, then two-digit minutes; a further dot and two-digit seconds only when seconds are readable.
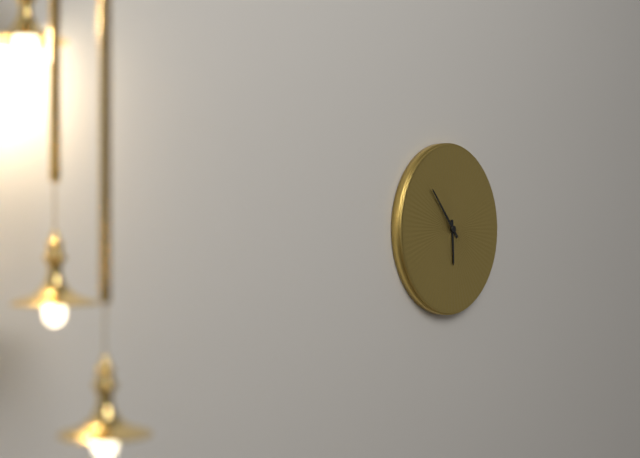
5.53
